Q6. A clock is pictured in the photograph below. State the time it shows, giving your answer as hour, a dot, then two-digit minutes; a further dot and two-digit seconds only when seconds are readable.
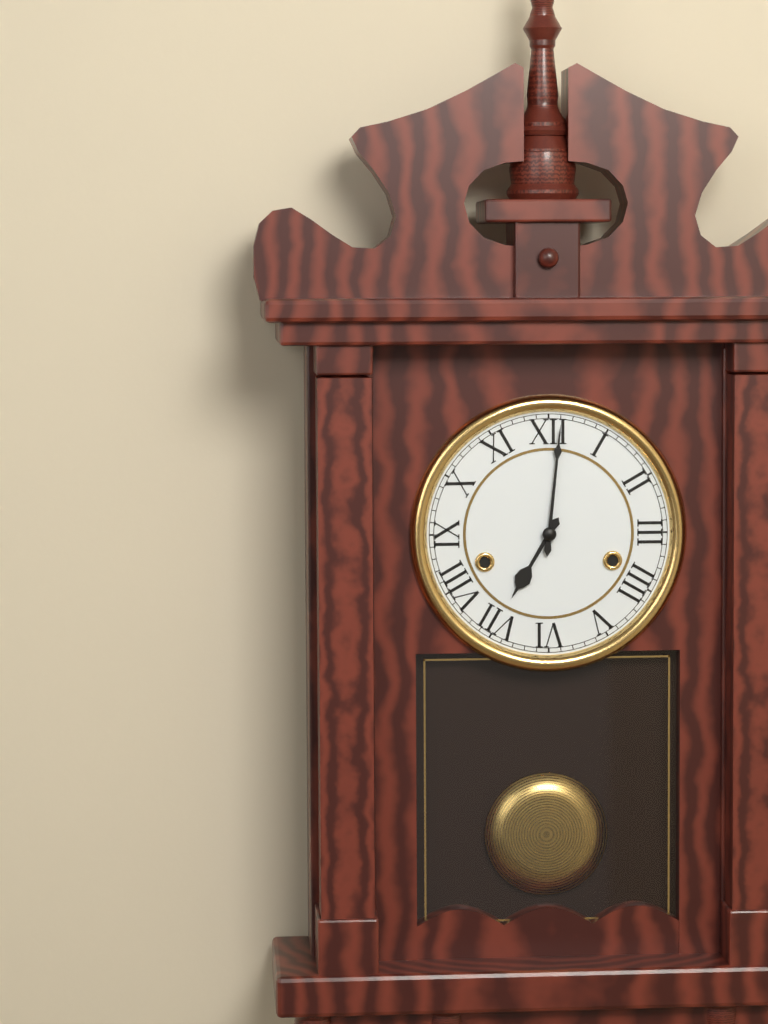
7.01
